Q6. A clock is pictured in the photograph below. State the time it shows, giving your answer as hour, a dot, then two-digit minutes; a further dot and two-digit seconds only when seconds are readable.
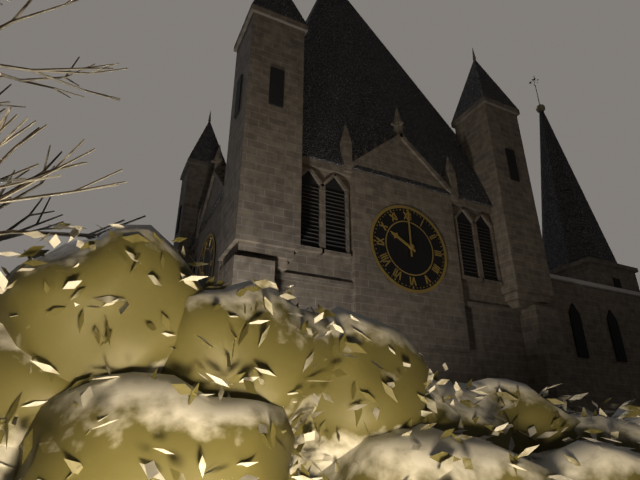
10.00
